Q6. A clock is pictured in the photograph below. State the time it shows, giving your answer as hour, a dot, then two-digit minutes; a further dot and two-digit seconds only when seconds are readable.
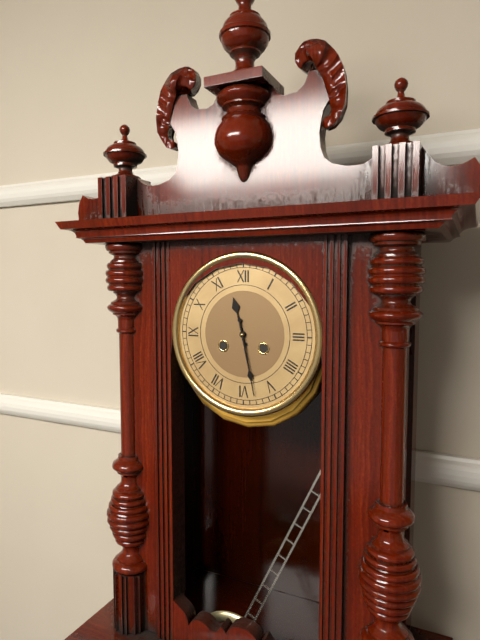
11.28
